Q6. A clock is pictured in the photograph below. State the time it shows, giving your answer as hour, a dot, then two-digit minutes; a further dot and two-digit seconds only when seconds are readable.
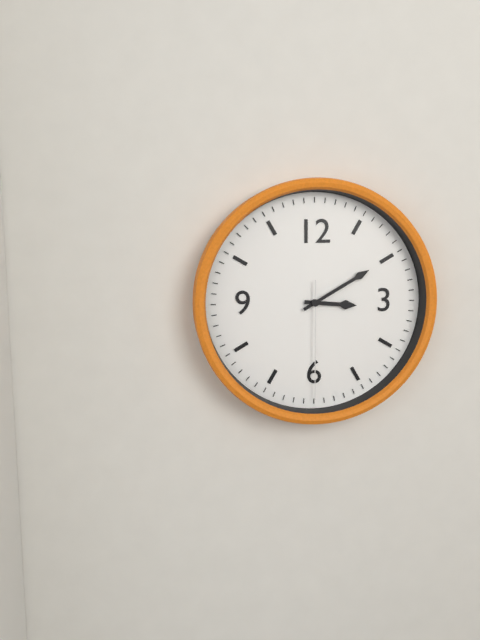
3.10.30
